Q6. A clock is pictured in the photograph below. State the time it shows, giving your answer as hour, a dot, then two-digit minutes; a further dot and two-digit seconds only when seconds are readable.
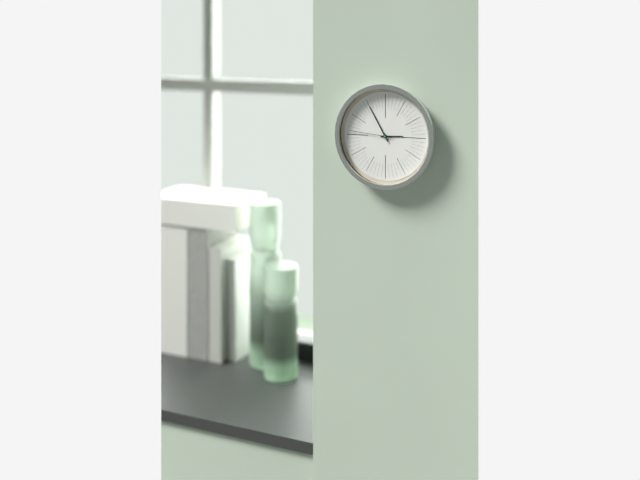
2.55
